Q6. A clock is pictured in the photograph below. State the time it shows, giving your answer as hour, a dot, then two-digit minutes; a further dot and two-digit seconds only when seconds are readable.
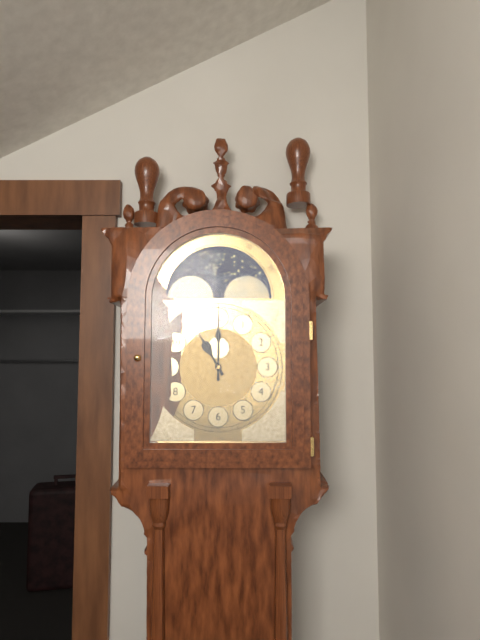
11.00
